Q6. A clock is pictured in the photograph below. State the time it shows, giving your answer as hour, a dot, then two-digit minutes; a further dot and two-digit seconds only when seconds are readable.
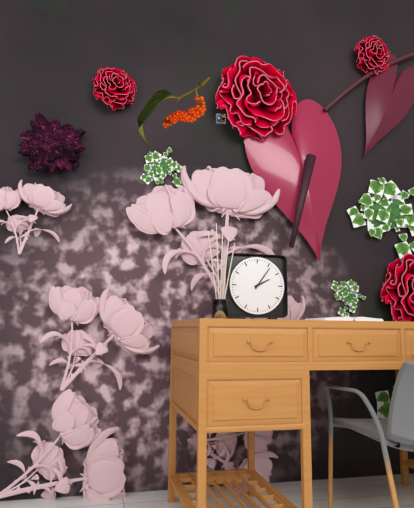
2.06
